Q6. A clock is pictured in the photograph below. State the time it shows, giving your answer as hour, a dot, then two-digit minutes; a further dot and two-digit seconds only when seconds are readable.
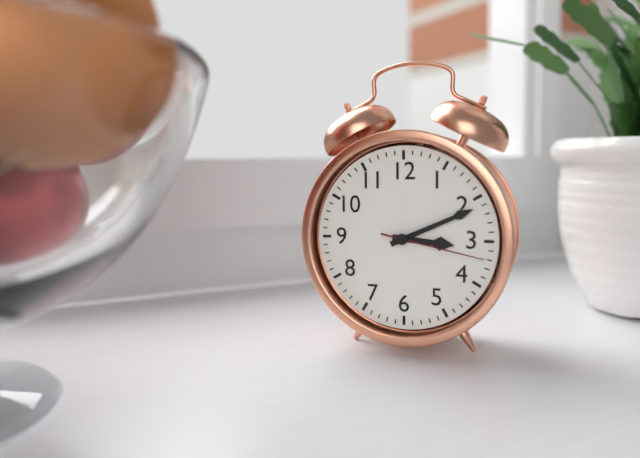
3.11.17
